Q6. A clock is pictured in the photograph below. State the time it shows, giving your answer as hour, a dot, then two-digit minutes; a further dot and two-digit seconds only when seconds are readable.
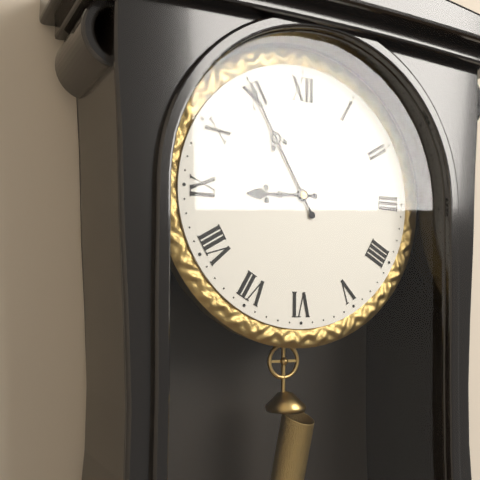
8.55
